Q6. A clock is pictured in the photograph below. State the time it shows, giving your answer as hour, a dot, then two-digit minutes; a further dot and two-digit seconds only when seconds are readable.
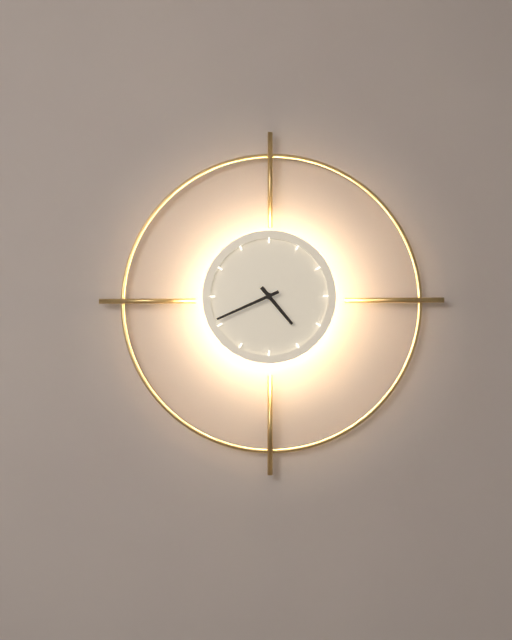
4.41
